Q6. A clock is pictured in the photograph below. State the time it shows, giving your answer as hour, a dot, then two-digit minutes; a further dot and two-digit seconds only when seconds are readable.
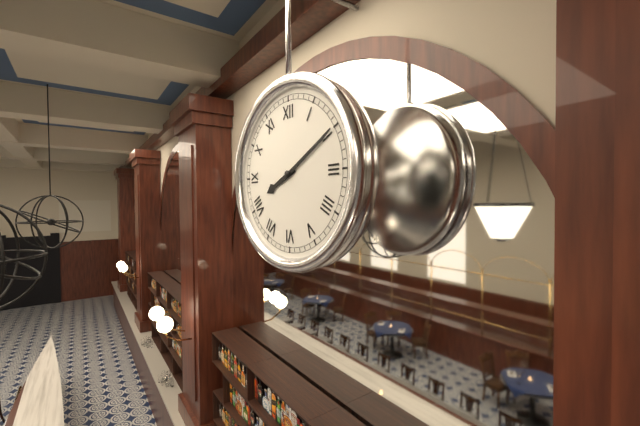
8.10
